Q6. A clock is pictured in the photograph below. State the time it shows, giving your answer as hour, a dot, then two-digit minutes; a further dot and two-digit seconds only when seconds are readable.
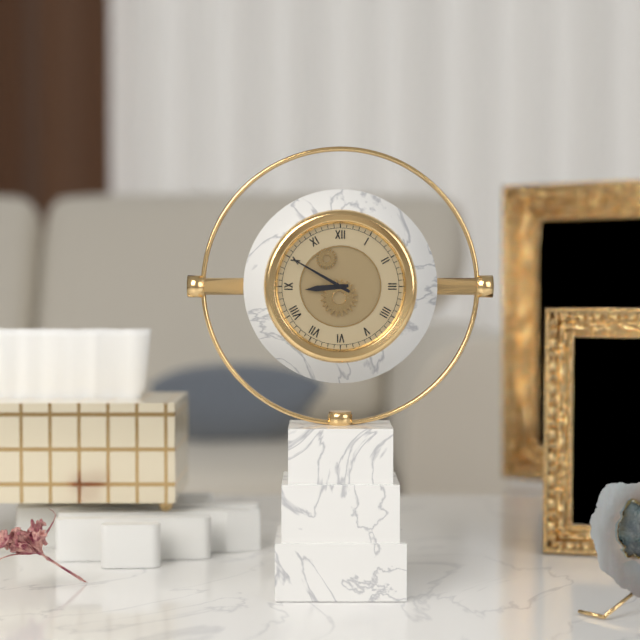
8.50
